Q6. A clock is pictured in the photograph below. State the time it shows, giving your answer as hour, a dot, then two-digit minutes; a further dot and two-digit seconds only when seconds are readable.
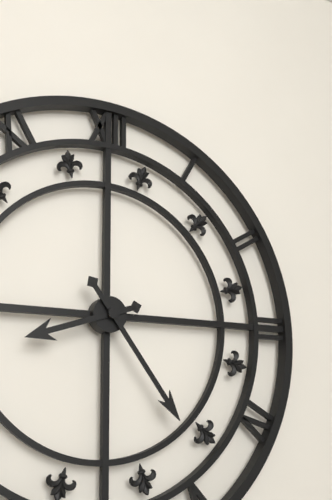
8.24
